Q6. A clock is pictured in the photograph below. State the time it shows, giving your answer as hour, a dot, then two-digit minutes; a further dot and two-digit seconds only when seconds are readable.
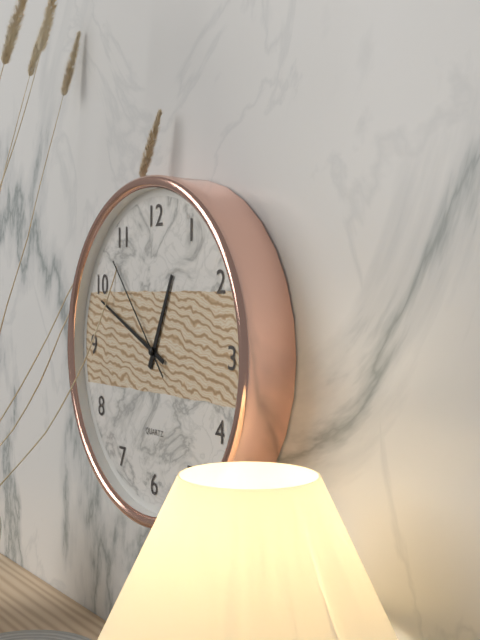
12.49.53
